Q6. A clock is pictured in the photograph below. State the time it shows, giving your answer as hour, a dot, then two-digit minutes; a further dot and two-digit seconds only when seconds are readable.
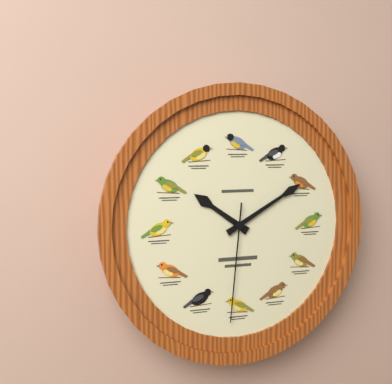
10.10.31
